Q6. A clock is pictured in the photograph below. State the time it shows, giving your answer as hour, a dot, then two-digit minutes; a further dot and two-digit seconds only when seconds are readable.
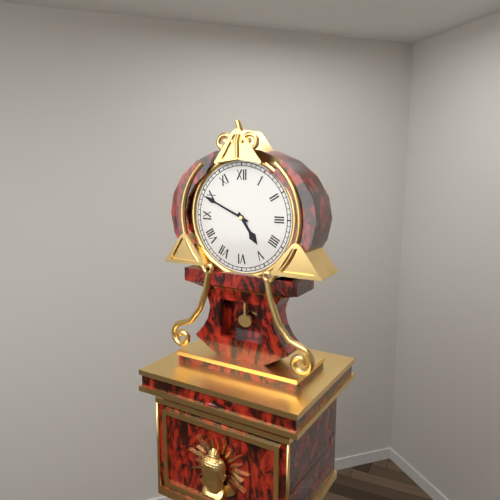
4.49
